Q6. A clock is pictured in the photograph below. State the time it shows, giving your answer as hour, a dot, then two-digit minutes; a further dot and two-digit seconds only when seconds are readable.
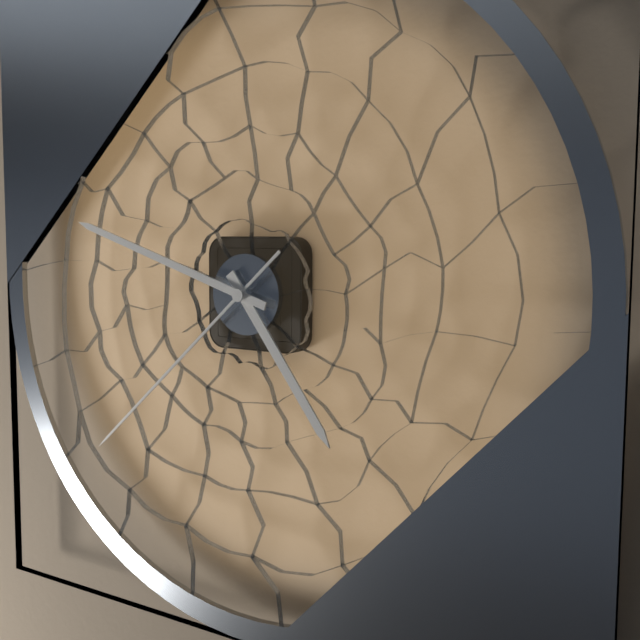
4.48.38
